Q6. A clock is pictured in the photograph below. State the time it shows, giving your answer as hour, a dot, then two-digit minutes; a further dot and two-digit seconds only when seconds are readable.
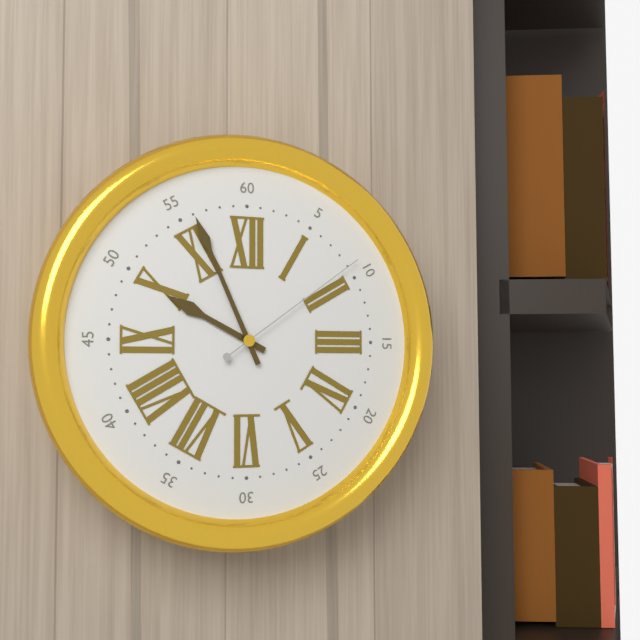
9.56.09
